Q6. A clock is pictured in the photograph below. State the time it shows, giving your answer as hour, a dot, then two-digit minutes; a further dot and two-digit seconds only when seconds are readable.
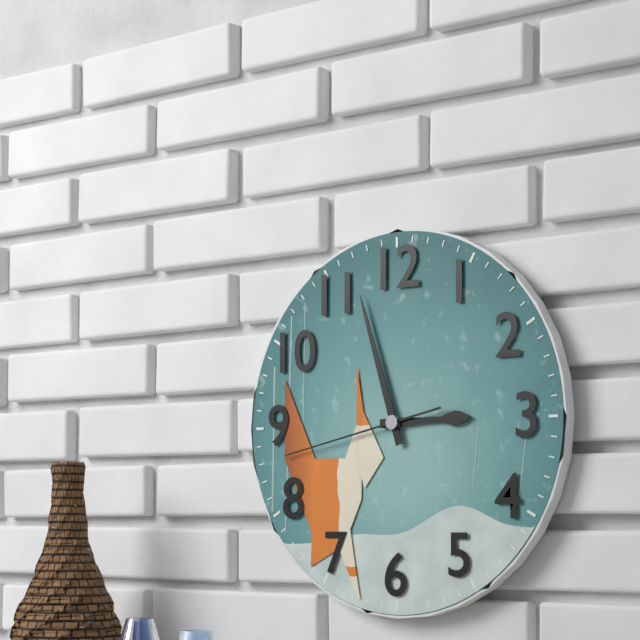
2.57.43
